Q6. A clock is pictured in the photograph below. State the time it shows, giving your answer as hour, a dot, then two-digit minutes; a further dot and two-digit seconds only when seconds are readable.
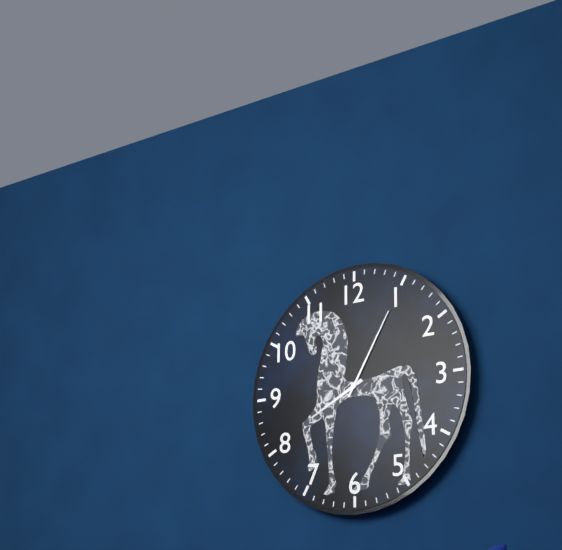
8.05
